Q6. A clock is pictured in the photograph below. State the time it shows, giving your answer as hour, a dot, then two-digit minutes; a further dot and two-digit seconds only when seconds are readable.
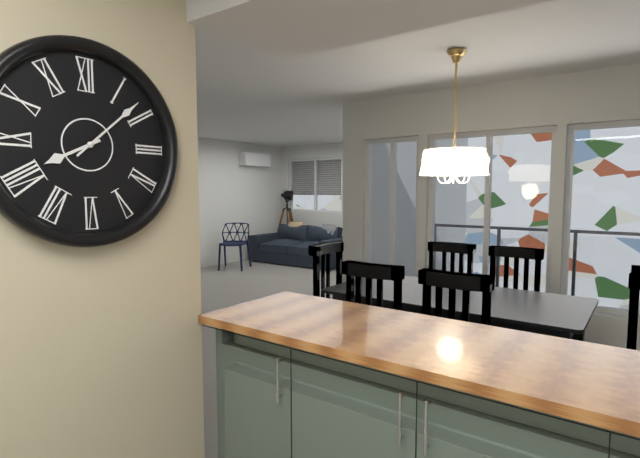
8.08
